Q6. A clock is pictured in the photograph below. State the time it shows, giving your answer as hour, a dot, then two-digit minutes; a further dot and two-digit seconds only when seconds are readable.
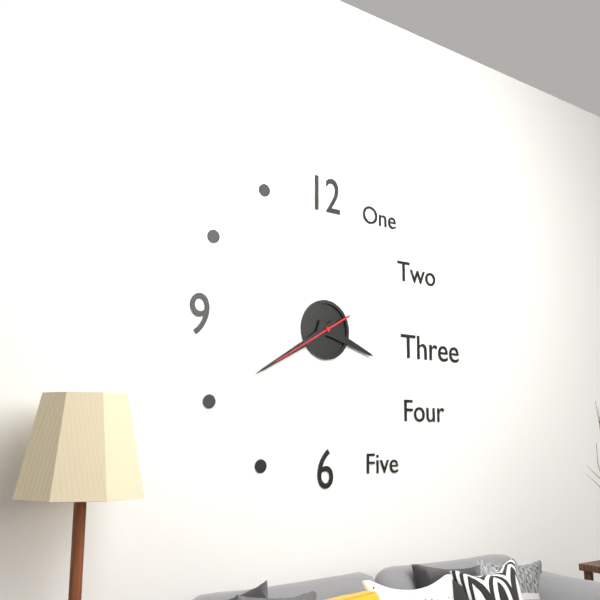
3.40.40
